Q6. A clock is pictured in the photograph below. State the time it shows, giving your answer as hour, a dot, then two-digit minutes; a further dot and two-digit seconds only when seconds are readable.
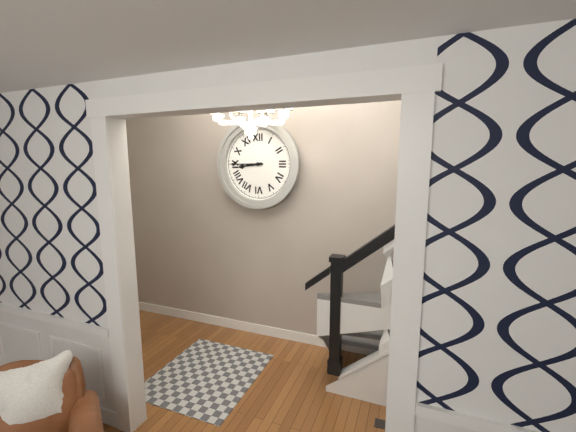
8.45
